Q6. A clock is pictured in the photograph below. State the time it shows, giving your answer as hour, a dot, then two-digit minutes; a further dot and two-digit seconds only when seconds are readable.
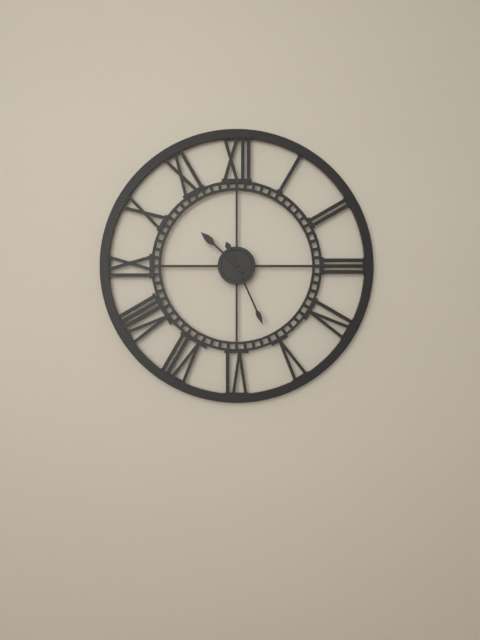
10.26
